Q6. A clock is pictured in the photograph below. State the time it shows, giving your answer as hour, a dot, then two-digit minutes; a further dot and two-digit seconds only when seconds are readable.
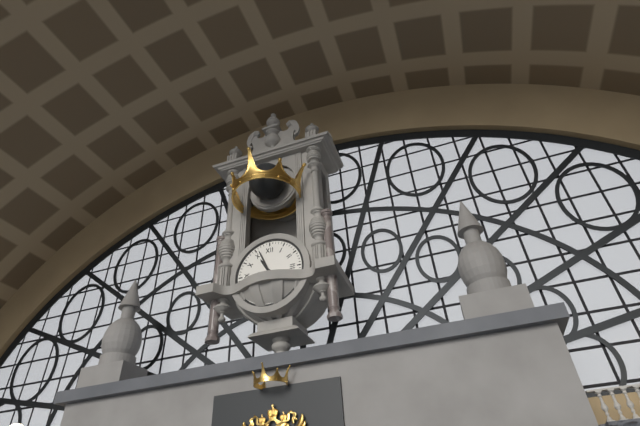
10.56
